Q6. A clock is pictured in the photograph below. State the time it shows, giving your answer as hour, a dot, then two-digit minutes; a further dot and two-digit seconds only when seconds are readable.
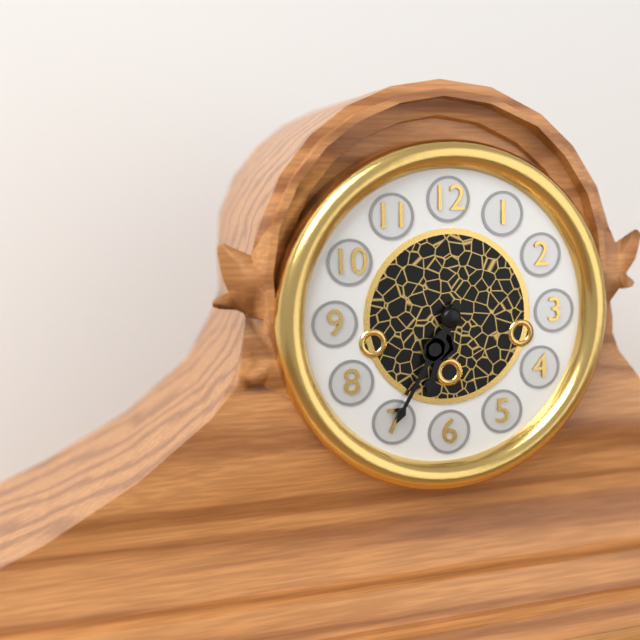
6.35
